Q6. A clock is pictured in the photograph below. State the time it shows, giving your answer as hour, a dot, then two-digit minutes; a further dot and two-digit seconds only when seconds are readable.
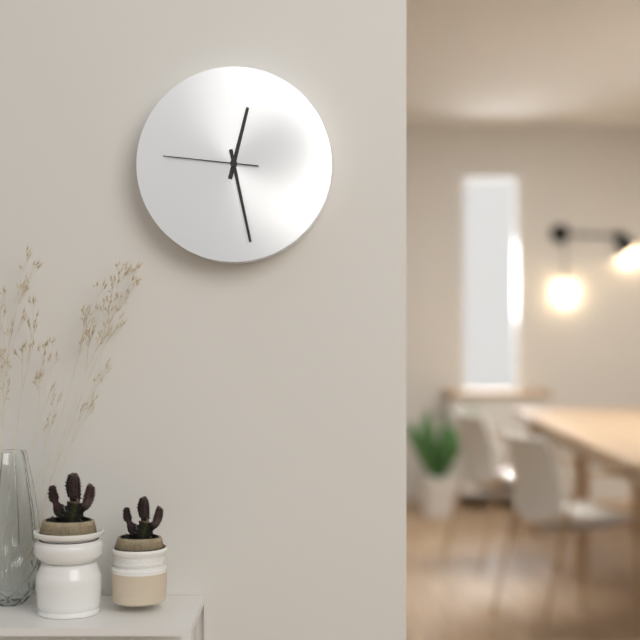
12.28.46
